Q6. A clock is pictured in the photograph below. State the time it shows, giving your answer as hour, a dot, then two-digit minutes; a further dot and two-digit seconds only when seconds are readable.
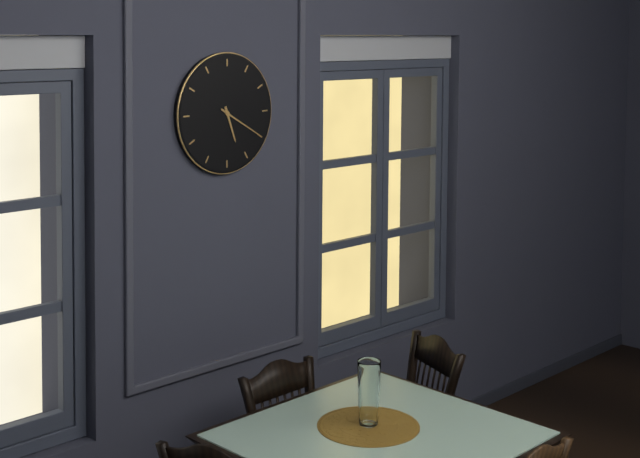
5.20
